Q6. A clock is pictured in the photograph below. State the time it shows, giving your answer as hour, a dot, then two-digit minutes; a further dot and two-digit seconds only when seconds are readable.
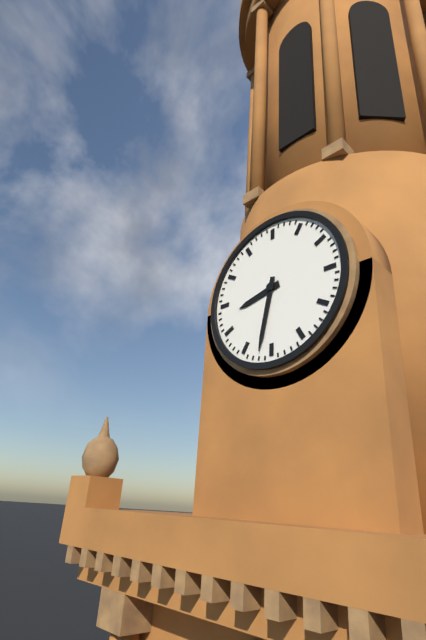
8.32
